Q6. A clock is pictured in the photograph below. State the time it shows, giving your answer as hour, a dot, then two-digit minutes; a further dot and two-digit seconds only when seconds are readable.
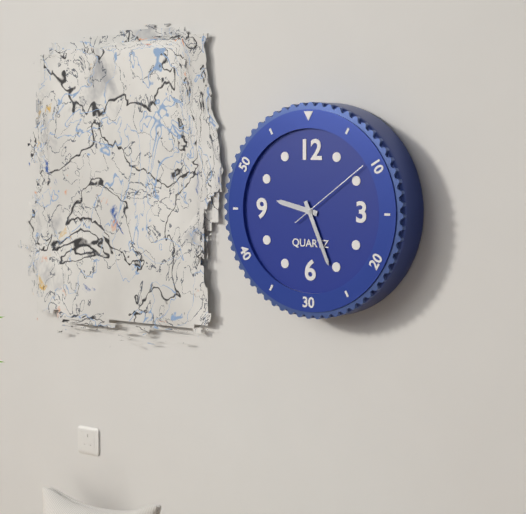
9.26.09
